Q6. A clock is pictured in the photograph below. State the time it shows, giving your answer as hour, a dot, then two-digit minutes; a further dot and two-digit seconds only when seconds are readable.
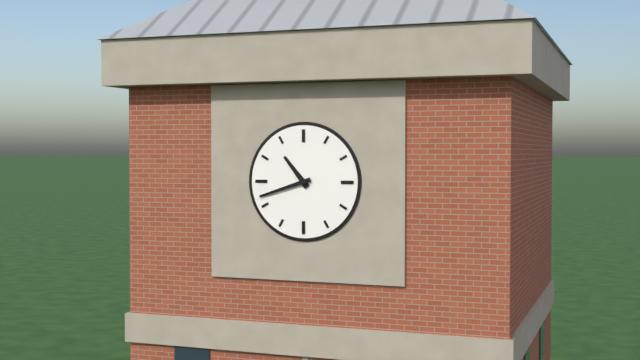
10.42
